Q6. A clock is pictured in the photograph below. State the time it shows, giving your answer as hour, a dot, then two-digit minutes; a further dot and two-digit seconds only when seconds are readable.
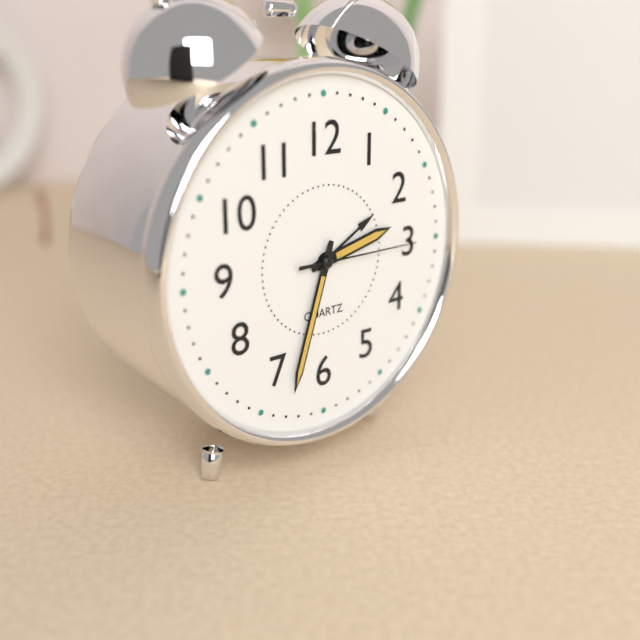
2.33.15
